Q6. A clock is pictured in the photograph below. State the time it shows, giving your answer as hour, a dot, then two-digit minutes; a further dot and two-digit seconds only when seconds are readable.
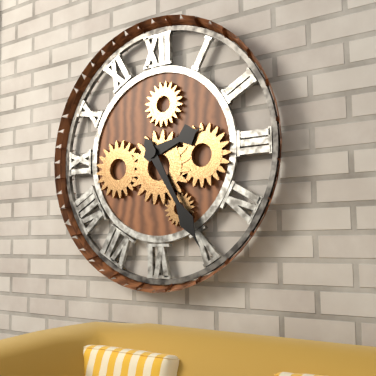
2.25
